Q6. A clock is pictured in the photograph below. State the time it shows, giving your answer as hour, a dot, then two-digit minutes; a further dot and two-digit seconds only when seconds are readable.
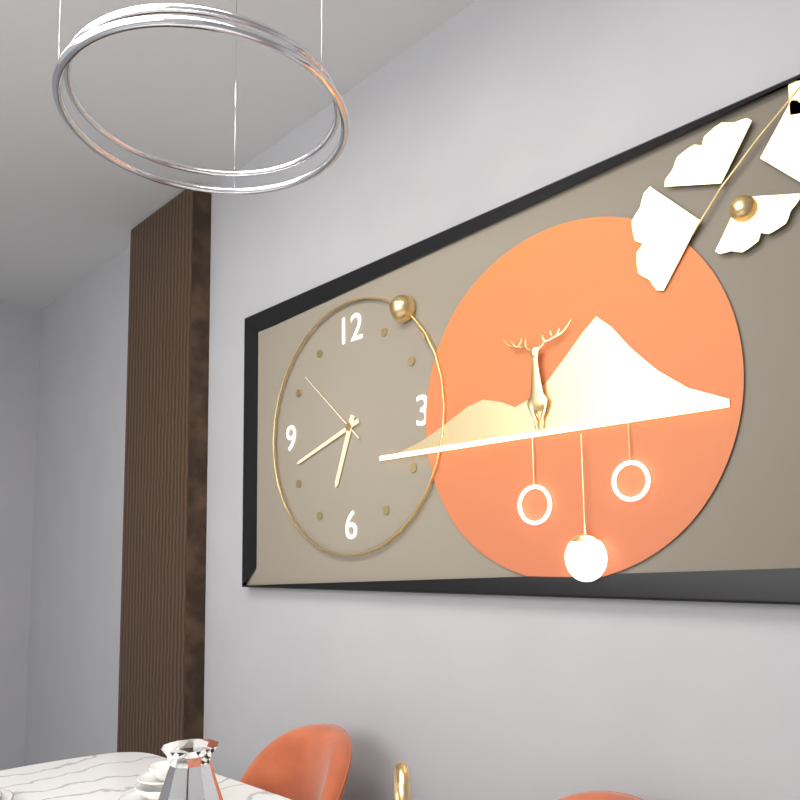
6.42.52
